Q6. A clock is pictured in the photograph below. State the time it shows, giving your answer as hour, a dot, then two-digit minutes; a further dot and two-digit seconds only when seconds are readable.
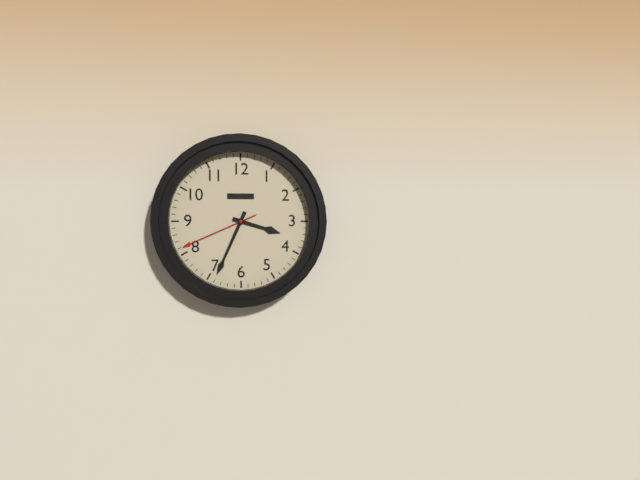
3.34.41
